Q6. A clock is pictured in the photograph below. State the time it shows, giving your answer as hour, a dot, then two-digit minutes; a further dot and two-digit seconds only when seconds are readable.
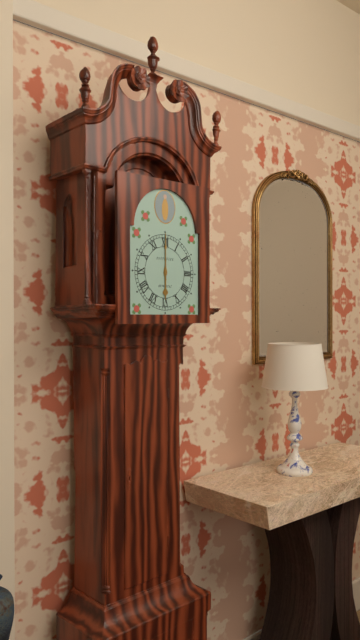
6.00
